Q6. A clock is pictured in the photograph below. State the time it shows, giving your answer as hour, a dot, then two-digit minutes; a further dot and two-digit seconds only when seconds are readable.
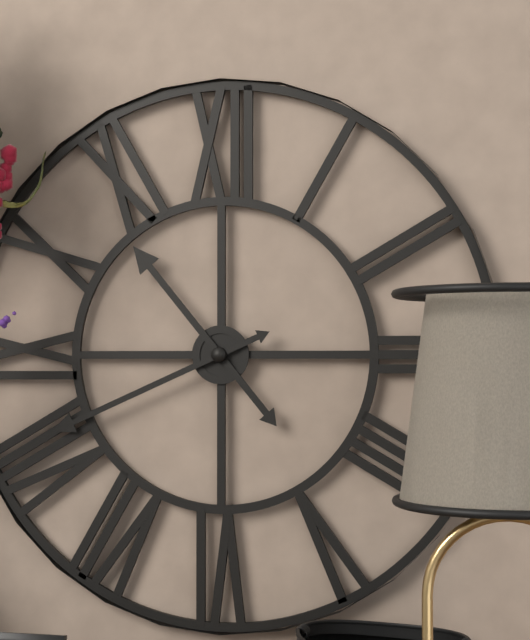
10.41
